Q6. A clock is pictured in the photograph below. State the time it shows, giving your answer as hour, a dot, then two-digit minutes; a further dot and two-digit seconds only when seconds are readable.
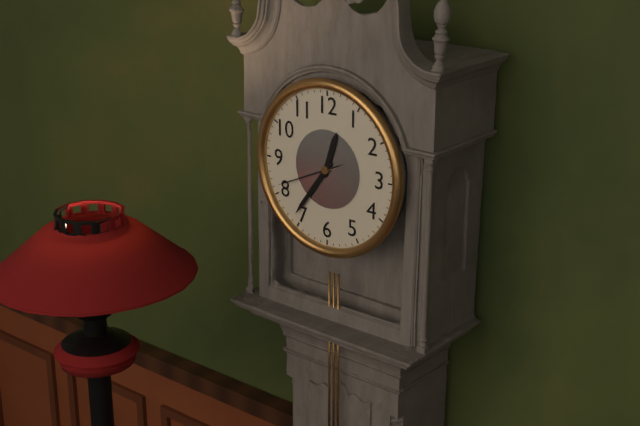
12.36.41
